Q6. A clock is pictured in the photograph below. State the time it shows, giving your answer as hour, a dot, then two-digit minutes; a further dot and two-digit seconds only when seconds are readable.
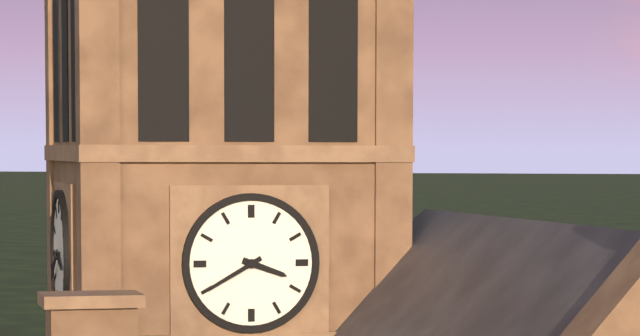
3.40
